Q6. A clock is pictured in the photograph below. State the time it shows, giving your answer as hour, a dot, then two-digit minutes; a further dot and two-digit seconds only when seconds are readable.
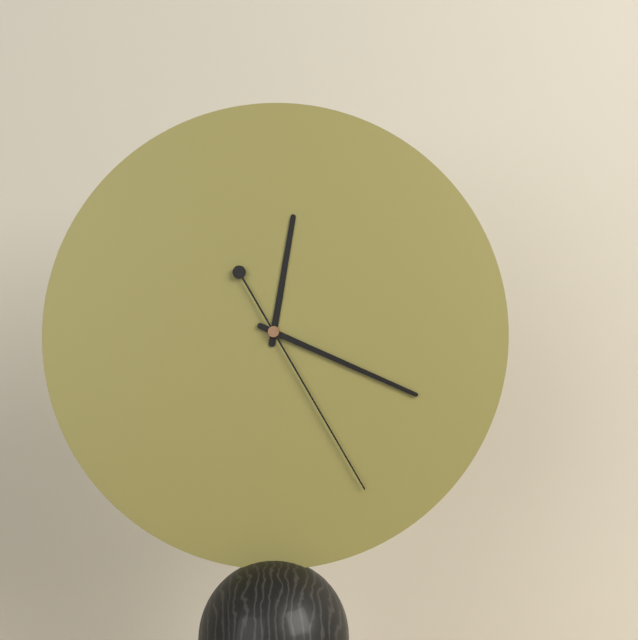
12.19.25
